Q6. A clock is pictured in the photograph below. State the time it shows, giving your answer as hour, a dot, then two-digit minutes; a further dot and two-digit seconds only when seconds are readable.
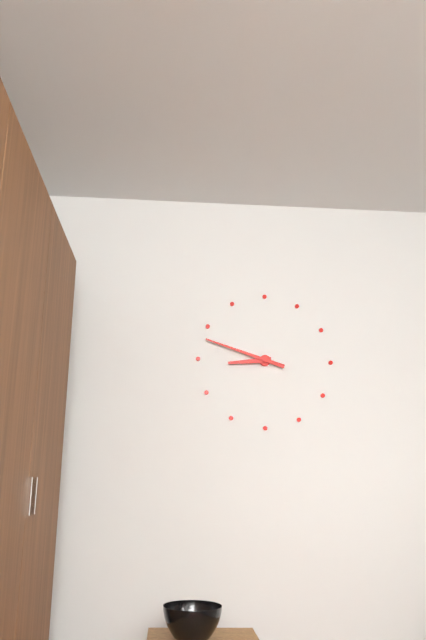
8.48
